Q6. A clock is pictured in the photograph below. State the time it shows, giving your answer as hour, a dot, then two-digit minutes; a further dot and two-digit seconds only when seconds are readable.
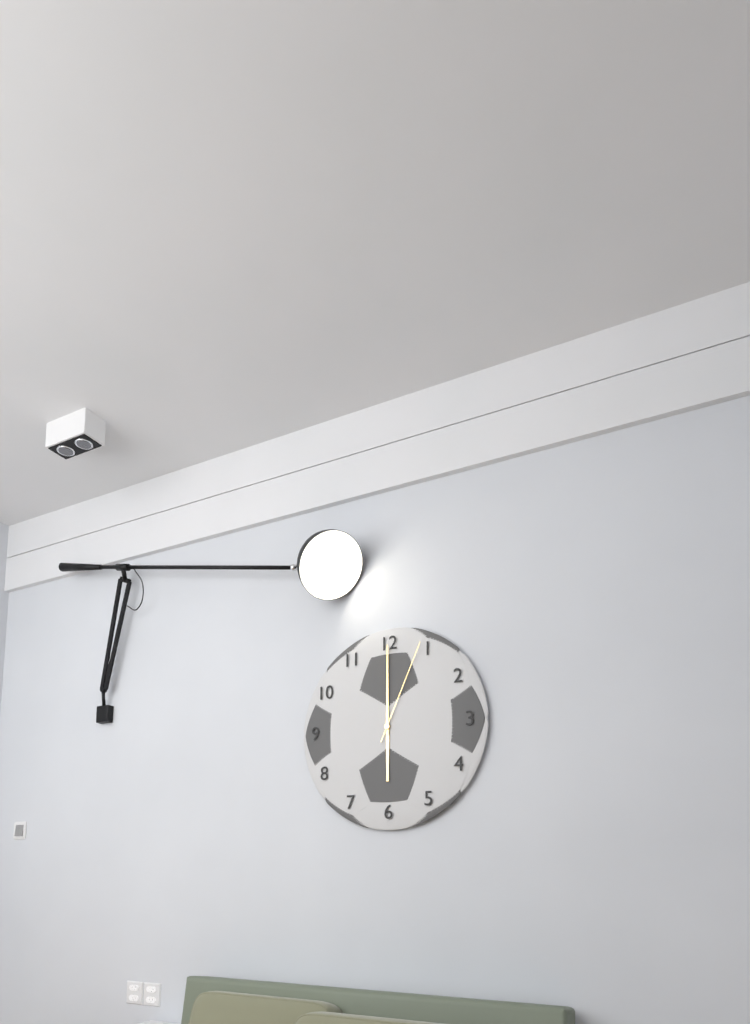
6.00.04
